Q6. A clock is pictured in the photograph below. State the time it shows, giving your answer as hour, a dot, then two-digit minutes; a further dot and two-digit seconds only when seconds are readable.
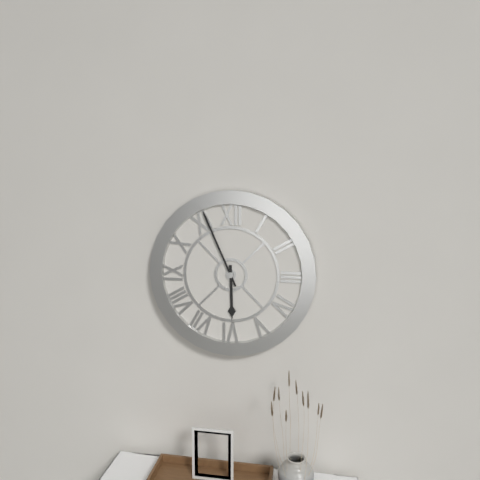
5.56
